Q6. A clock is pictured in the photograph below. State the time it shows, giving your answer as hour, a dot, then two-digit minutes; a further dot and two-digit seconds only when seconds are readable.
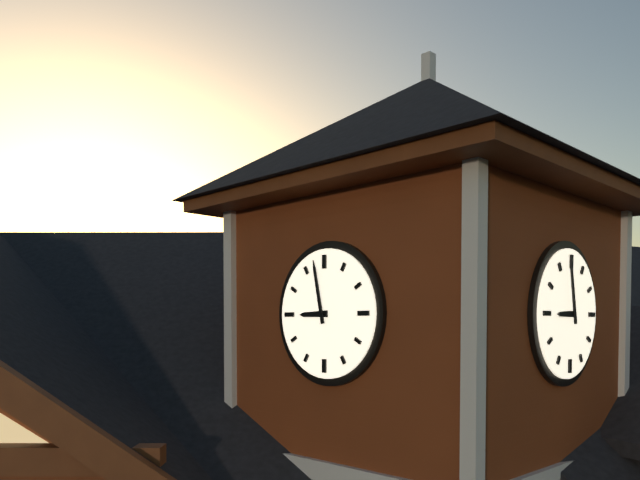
8.58
